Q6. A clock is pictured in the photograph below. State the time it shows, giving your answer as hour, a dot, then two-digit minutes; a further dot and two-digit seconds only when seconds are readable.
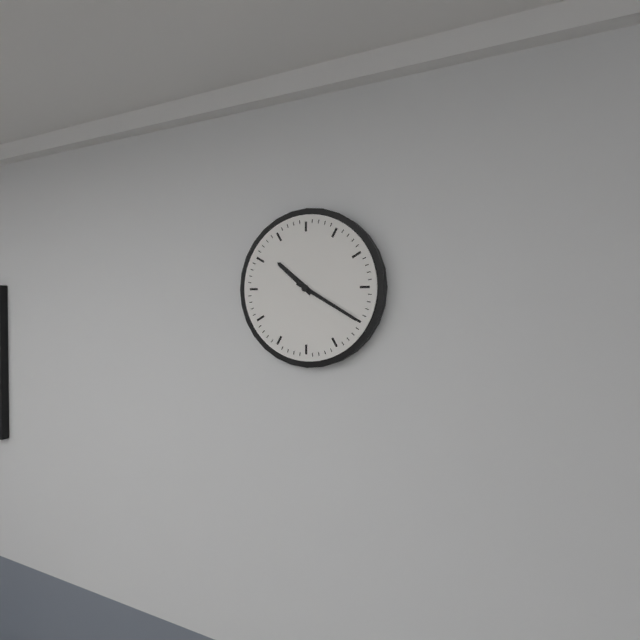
10.20
